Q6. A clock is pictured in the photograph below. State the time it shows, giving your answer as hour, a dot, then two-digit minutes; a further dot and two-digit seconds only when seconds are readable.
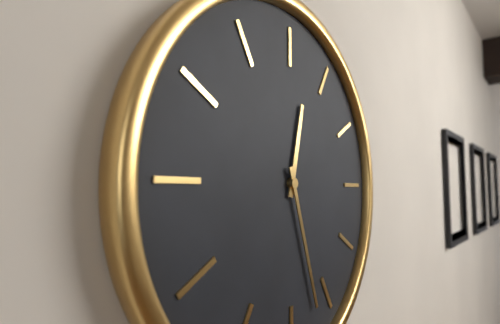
12.27
